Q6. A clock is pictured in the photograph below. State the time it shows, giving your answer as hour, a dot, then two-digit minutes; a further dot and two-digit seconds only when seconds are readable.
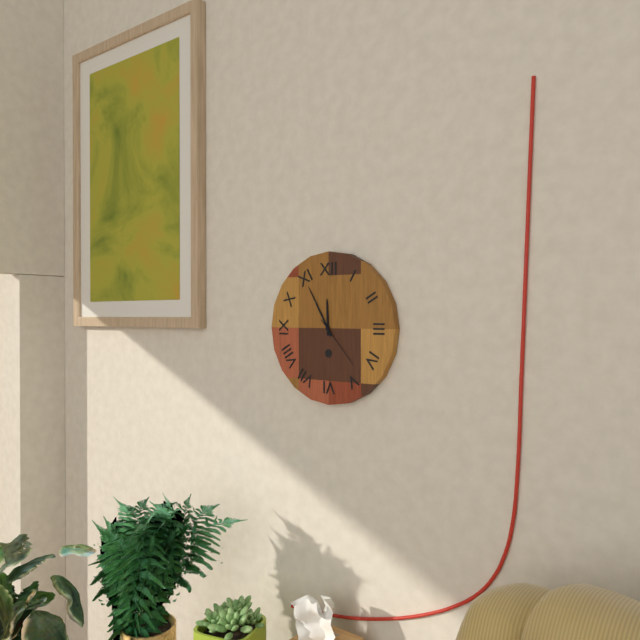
11.55.23
